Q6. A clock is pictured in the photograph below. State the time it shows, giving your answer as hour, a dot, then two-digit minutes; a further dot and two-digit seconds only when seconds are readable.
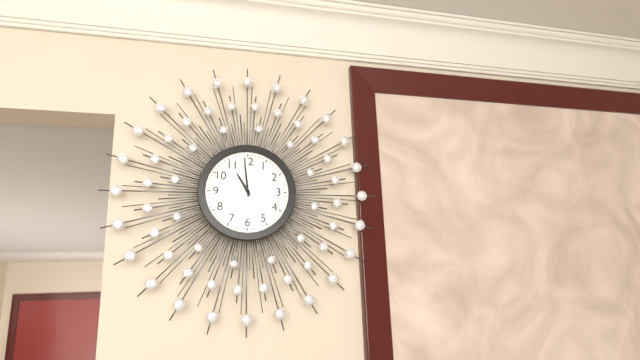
10.59
